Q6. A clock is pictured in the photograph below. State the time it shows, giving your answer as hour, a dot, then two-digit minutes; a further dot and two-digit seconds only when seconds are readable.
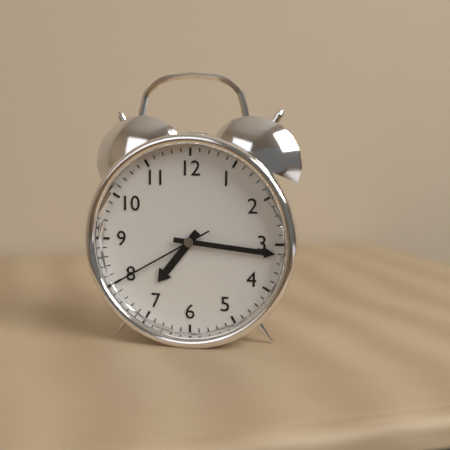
7.16.40
